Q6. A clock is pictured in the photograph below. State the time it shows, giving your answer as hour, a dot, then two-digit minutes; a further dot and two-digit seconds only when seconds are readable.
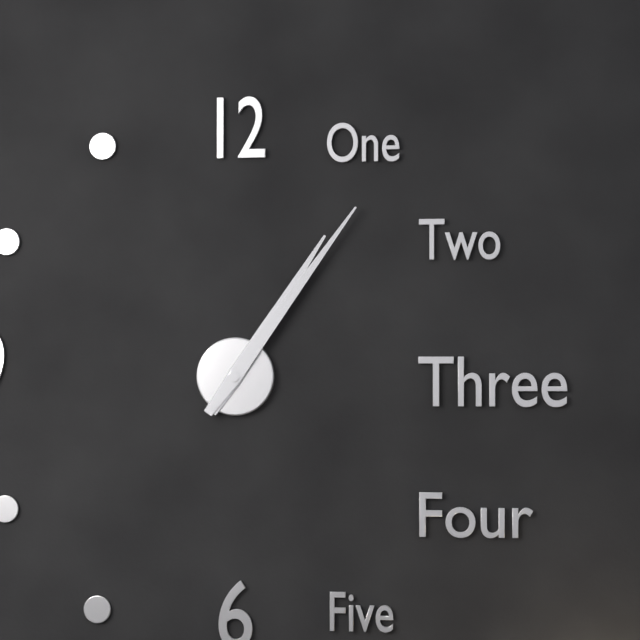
1.06
